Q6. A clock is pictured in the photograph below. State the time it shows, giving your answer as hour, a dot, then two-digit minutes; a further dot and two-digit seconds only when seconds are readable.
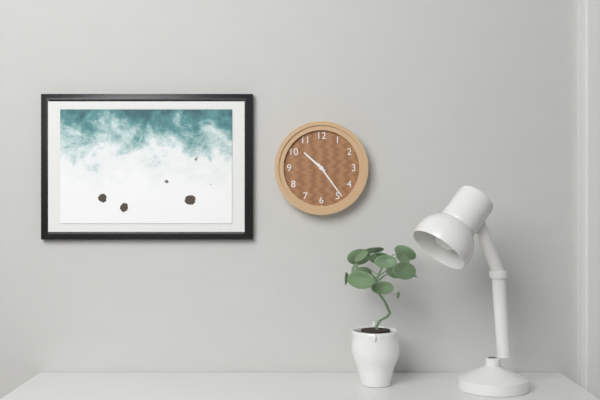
10.24
